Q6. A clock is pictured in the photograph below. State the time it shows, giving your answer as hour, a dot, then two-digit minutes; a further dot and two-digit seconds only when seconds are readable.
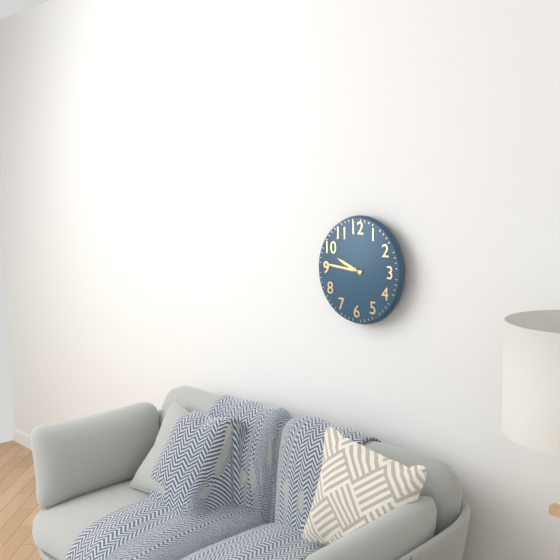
9.46
